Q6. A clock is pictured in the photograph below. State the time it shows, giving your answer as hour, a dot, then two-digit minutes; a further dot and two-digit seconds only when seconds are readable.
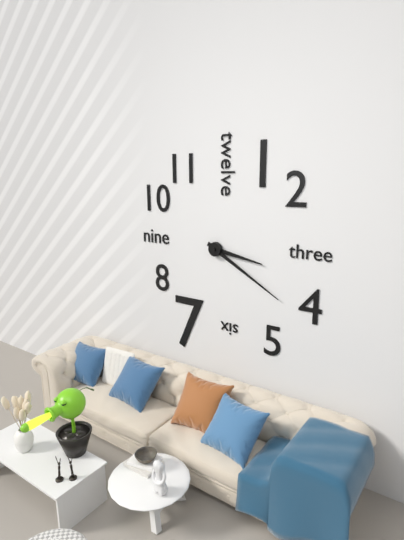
3.20
